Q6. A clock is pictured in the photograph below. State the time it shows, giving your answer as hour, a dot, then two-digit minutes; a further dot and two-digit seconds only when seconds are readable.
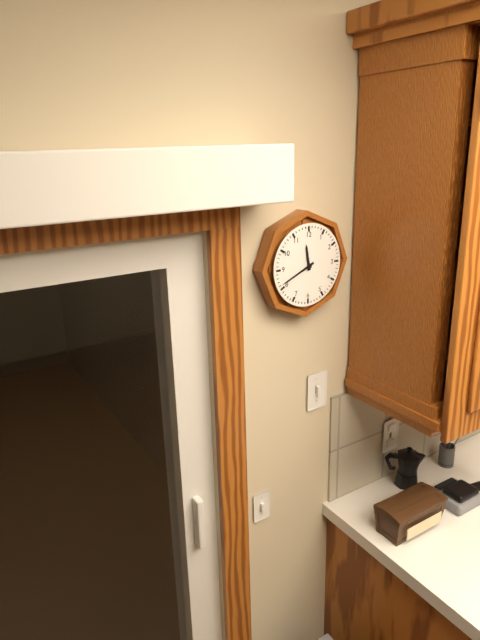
11.41
